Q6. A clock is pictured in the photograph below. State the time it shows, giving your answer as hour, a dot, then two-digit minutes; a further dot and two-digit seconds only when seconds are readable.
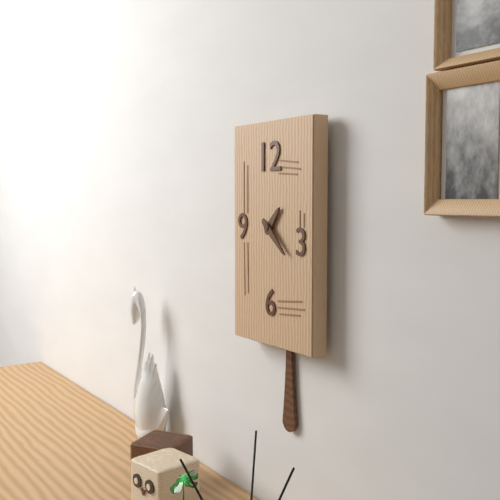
1.22
